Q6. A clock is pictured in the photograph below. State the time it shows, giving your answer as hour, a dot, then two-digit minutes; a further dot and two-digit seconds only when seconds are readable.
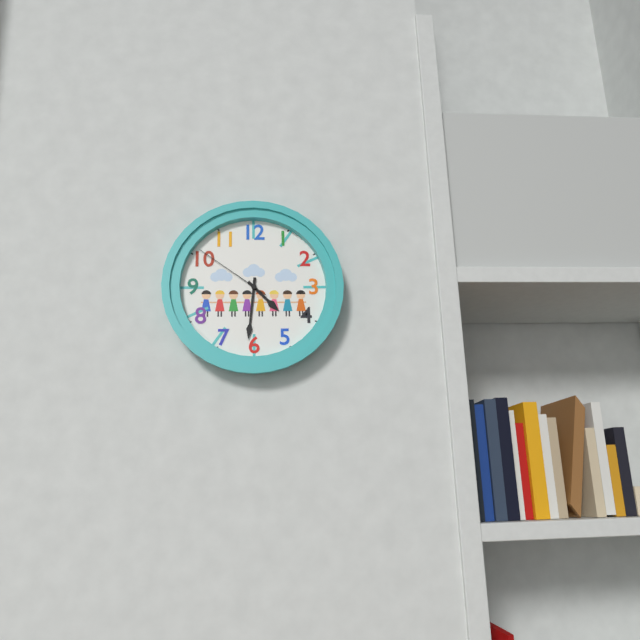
4.31.51
